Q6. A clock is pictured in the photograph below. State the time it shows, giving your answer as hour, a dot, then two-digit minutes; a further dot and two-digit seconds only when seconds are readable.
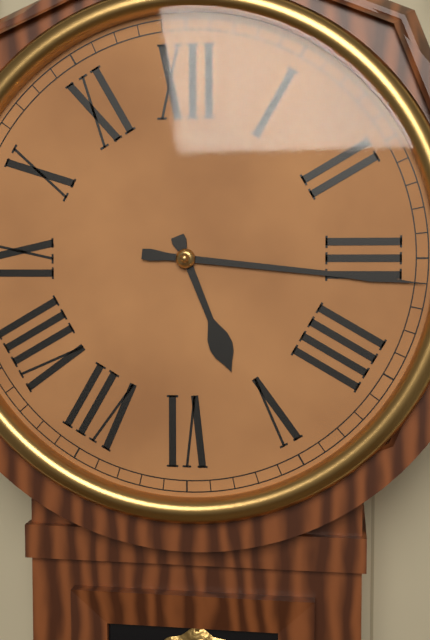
5.16
